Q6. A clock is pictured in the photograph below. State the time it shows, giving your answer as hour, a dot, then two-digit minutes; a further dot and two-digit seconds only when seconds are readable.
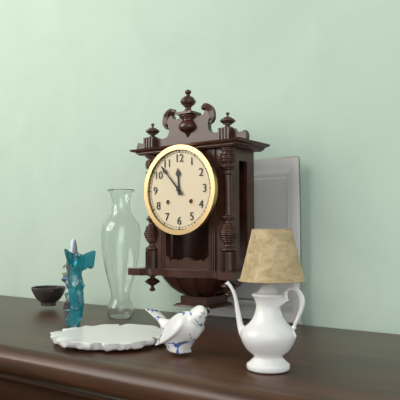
11.53
